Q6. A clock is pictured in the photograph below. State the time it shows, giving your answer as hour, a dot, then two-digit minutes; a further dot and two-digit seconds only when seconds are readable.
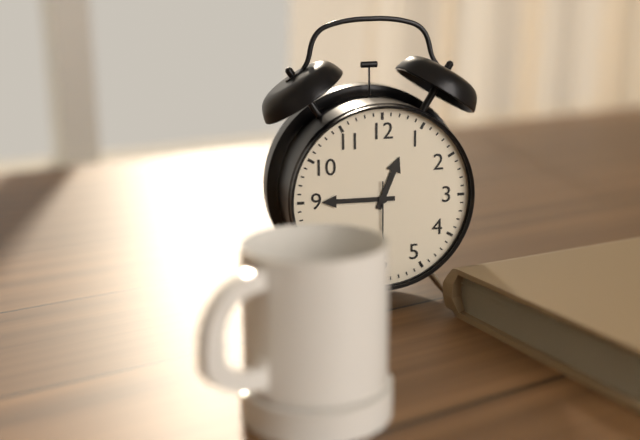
12.45
